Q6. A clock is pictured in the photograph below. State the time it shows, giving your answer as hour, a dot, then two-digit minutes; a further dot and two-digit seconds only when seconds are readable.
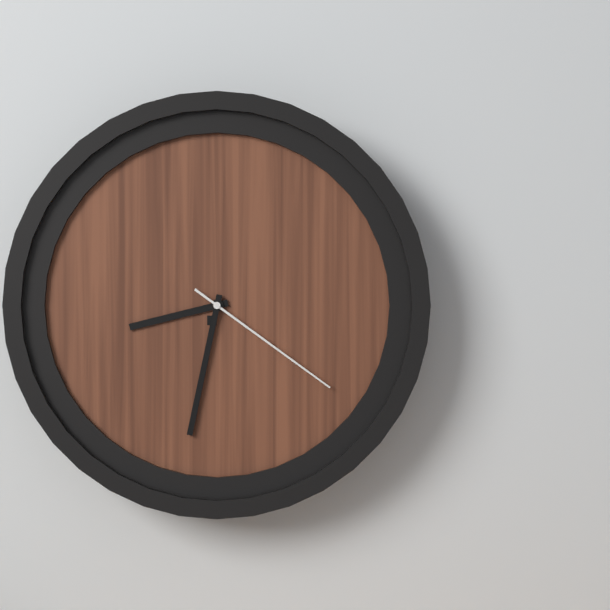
8.32.21
